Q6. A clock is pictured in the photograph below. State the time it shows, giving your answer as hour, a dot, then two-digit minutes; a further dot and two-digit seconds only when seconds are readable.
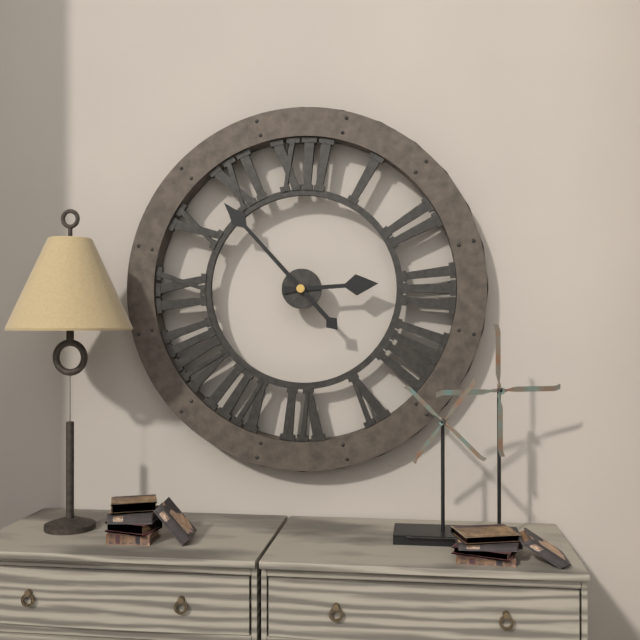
2.53
